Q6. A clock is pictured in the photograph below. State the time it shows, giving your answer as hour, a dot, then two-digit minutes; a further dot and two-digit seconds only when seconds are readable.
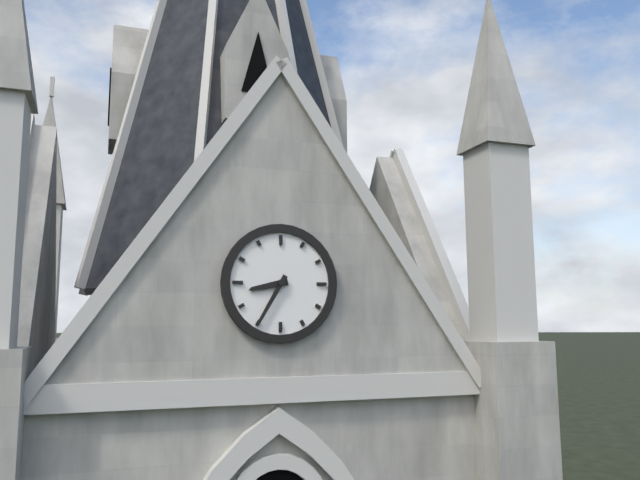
8.35
